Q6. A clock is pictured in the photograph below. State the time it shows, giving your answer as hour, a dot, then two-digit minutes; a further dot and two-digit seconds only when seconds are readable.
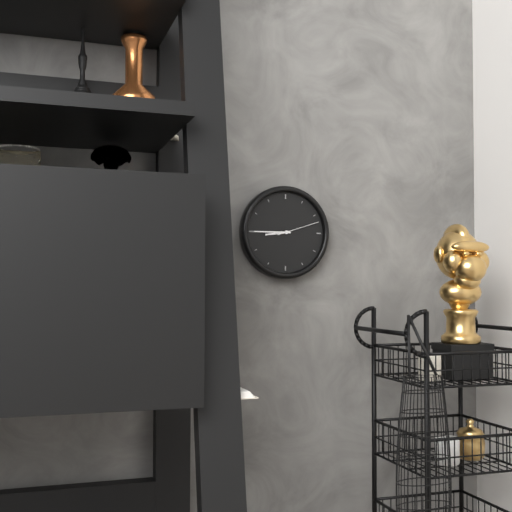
8.45
